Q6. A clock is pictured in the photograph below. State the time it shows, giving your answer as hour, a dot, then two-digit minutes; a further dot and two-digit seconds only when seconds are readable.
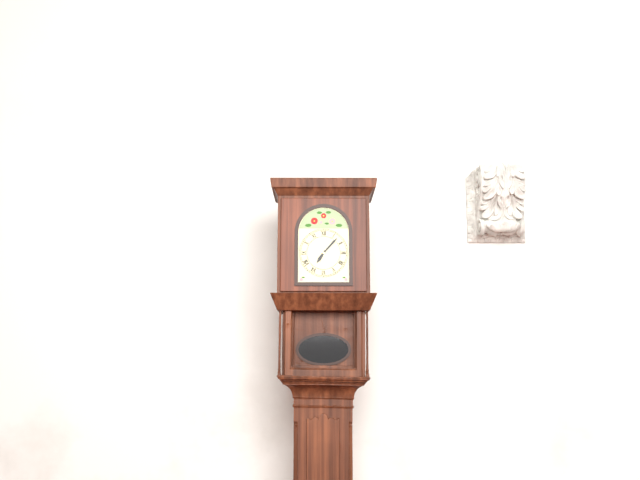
7.07
